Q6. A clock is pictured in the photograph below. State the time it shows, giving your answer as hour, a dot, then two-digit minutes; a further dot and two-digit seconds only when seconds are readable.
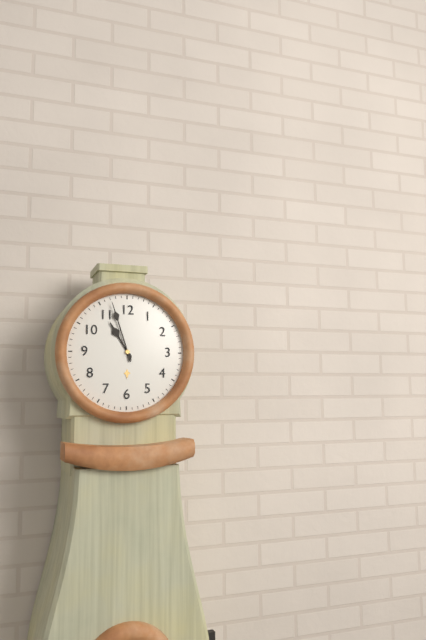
10.57
